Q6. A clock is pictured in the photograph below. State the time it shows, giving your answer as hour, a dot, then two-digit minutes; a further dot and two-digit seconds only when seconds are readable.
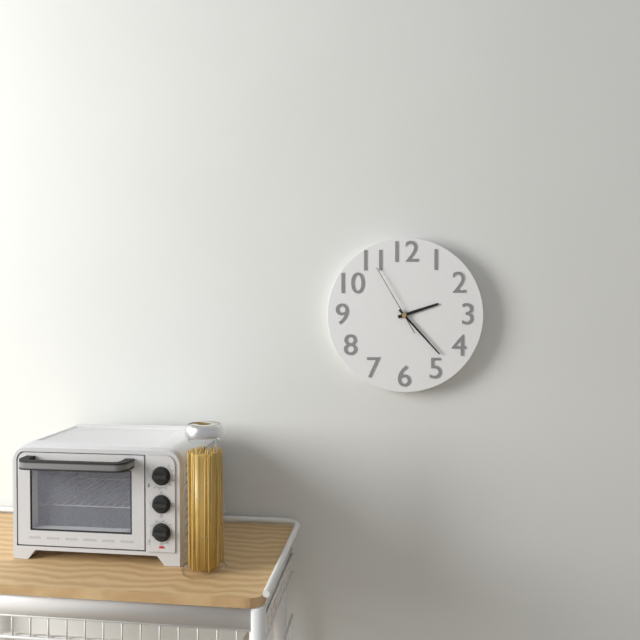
2.23.55
